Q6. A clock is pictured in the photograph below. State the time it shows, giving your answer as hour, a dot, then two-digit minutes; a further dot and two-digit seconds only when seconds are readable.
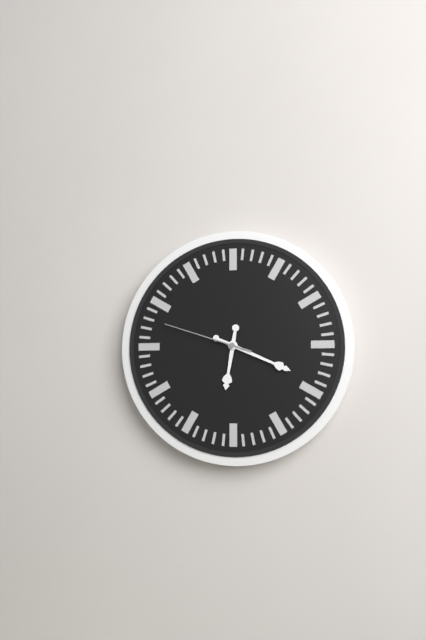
6.19.48
